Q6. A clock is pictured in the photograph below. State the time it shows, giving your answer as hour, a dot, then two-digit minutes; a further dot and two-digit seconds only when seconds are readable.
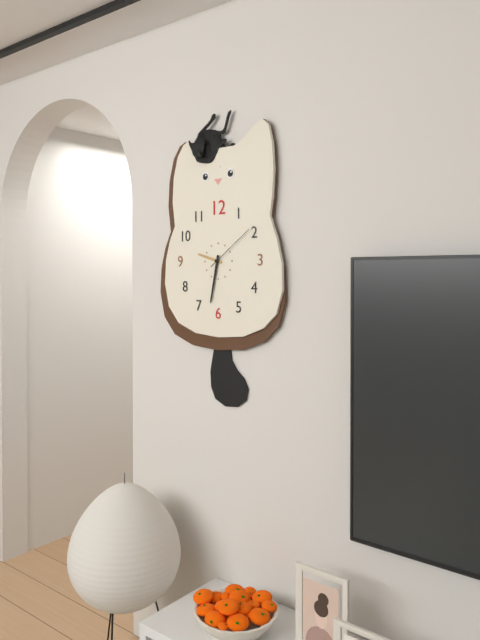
9.32.09
